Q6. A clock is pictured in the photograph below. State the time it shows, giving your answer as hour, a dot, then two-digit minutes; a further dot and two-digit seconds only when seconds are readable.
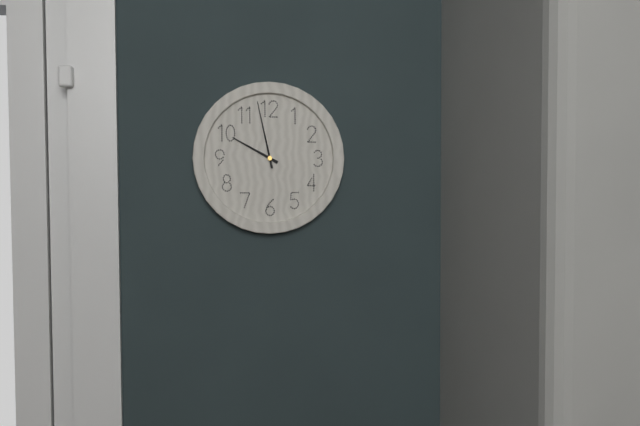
9.58
